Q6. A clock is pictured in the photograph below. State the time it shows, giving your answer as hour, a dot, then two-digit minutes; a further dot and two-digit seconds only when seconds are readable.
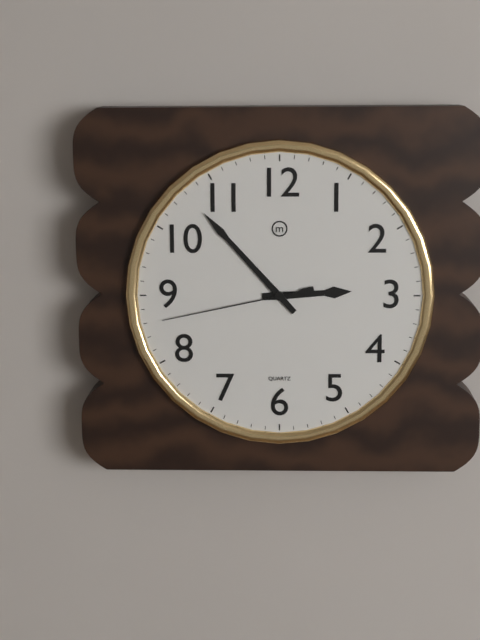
2.53.43
